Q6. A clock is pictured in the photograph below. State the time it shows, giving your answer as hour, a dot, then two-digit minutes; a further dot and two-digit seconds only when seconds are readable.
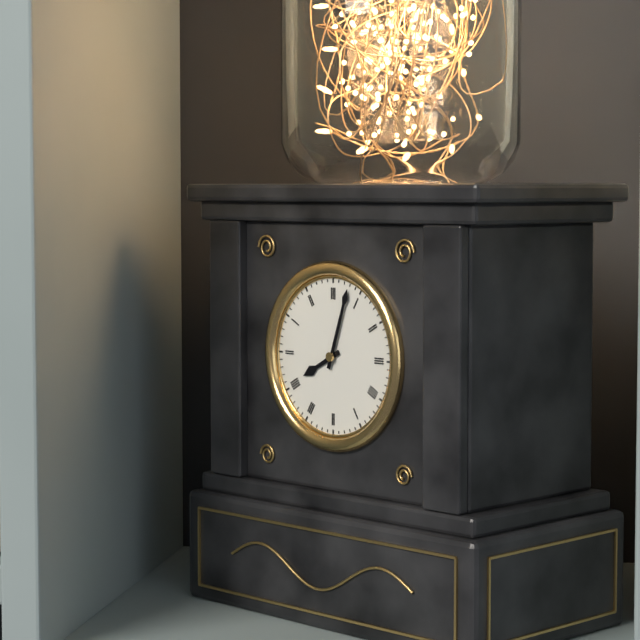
8.03
